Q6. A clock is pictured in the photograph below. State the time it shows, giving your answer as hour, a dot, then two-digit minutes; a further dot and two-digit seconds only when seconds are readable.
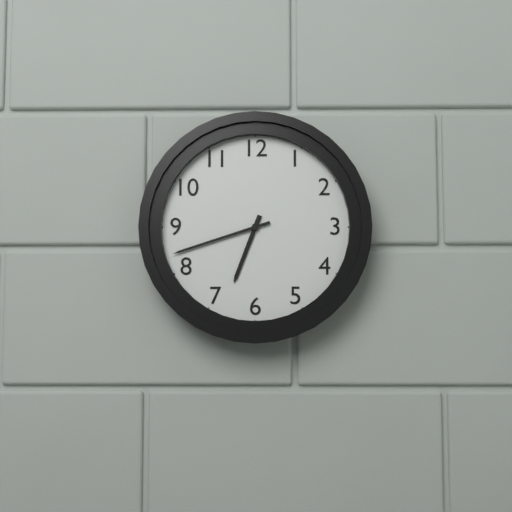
6.42
